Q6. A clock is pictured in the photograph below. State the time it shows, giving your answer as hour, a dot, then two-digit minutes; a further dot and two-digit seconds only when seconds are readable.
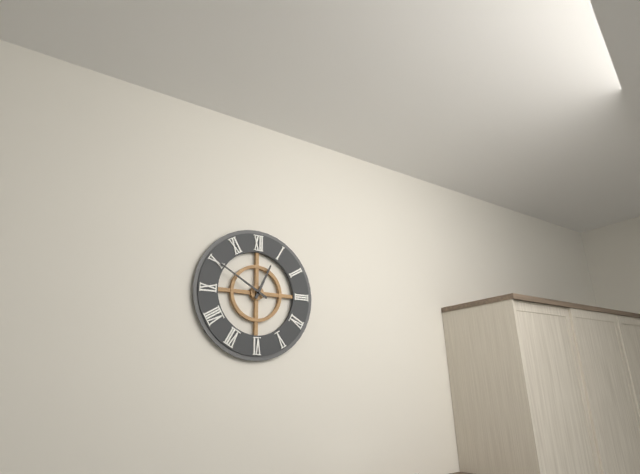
12.50
